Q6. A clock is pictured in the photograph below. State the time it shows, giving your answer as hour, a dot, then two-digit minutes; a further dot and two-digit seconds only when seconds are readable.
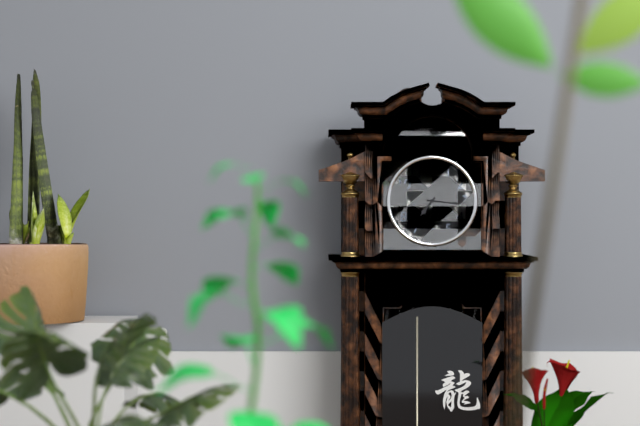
7.16
